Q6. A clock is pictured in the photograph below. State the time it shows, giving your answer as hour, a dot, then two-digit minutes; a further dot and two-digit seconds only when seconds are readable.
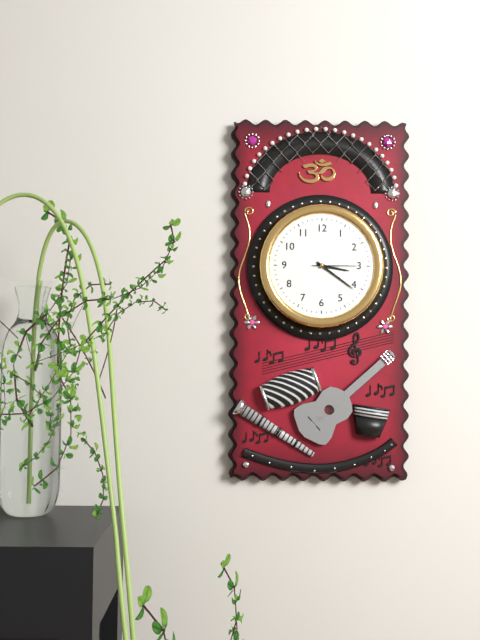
3.21
